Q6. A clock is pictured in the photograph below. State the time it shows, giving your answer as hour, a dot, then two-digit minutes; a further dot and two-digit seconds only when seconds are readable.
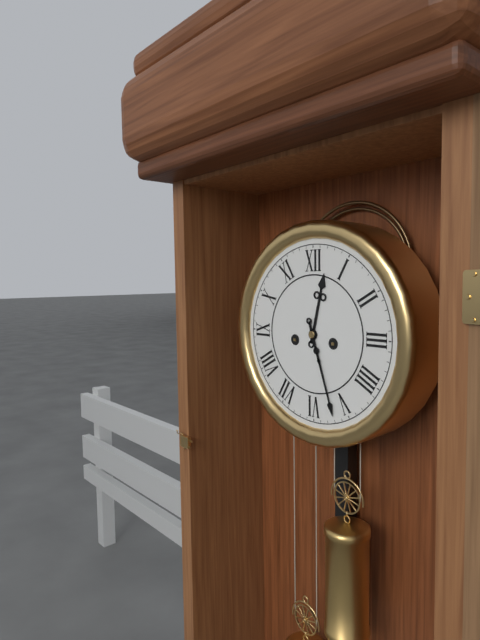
12.27
